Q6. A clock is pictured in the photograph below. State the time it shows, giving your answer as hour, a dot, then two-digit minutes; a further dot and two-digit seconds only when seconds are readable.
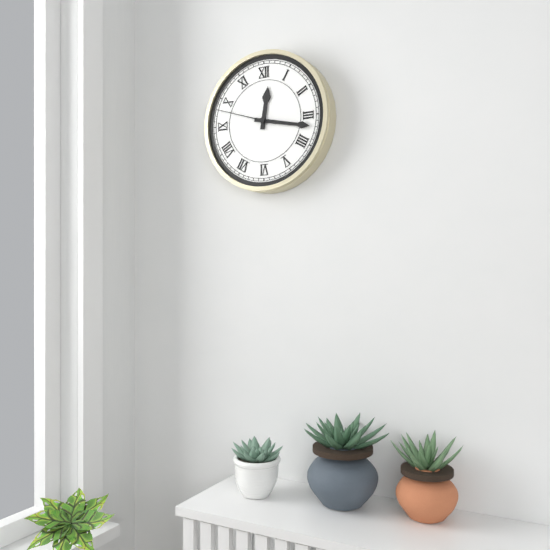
12.17.48
